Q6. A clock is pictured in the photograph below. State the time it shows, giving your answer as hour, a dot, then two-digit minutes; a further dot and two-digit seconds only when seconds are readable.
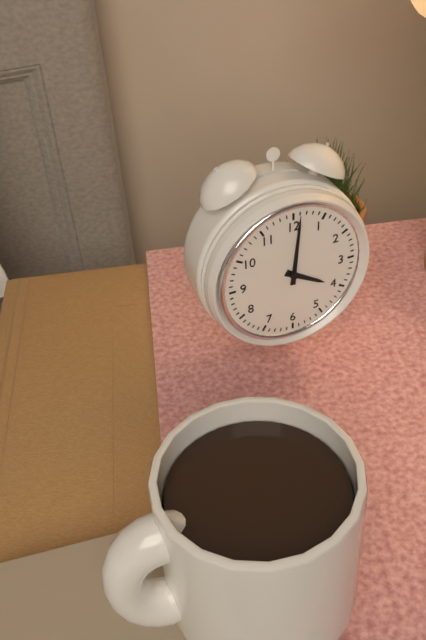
4.01
